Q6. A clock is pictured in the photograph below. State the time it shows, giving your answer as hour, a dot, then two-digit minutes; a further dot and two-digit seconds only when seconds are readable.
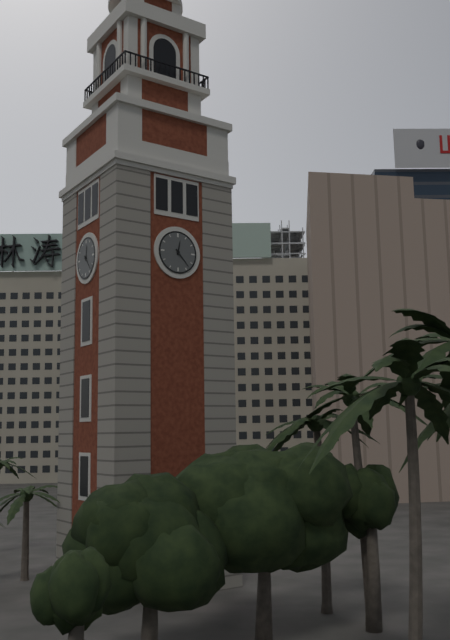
12.23
